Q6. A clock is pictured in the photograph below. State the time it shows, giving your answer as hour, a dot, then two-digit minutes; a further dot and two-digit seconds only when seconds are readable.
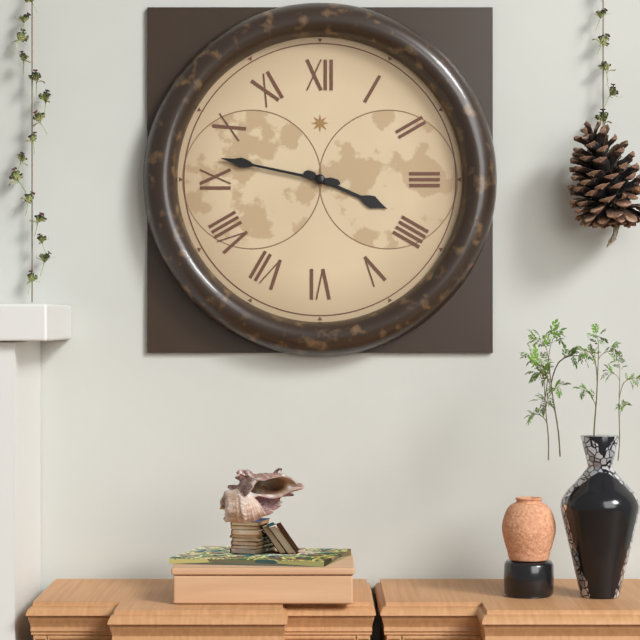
3.47
